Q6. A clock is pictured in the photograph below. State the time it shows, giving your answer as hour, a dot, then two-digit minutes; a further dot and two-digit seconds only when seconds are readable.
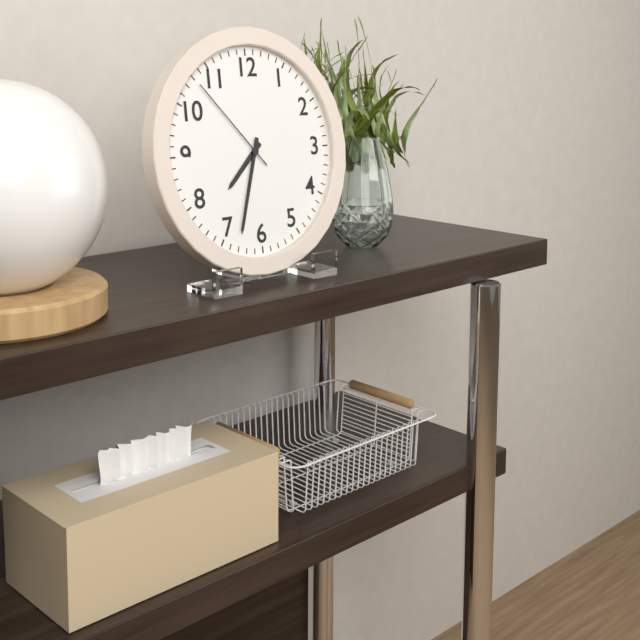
7.33.53
